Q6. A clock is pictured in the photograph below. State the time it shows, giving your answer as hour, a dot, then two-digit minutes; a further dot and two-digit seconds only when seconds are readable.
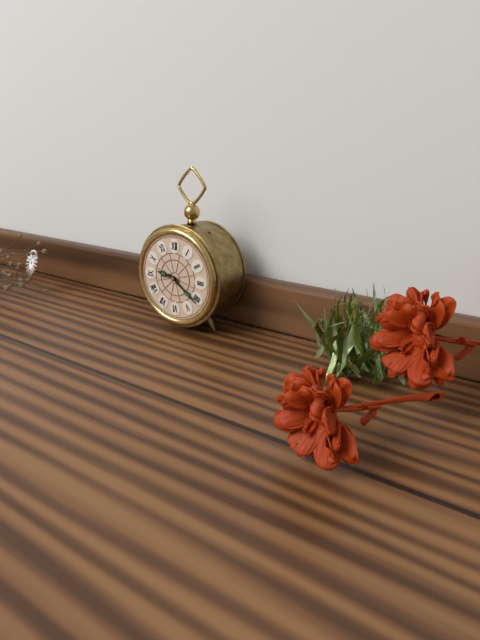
9.21
